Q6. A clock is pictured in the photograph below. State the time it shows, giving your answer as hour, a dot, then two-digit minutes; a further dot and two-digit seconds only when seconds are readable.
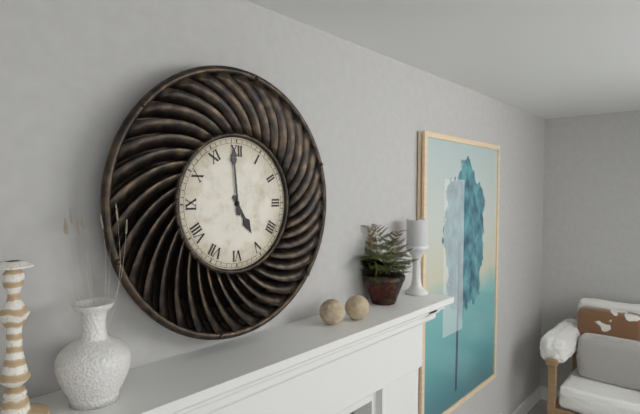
4.59
